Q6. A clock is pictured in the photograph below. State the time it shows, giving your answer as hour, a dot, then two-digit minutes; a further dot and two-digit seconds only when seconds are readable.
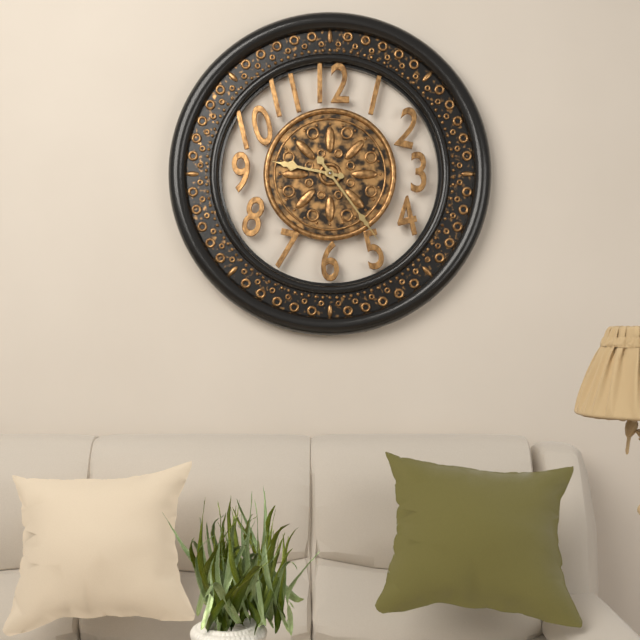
9.24
